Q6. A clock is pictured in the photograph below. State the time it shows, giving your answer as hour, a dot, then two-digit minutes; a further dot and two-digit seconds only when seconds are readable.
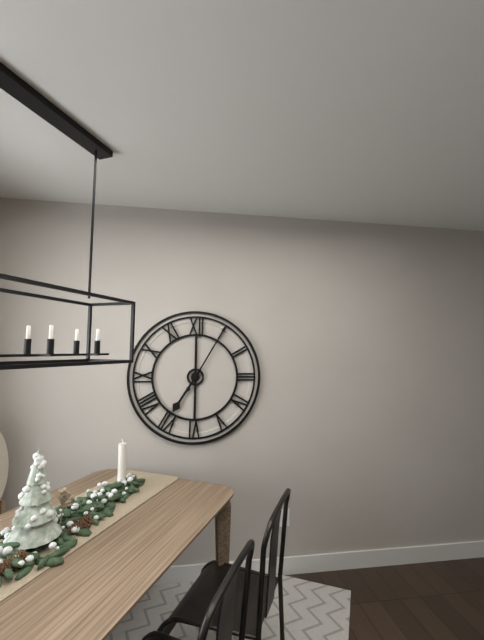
7.05
